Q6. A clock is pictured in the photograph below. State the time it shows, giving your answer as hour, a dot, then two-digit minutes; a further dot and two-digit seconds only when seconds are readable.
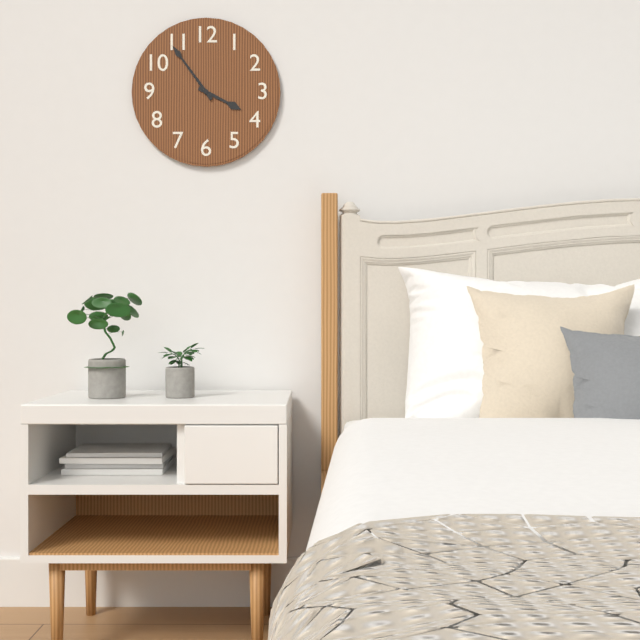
3.54
